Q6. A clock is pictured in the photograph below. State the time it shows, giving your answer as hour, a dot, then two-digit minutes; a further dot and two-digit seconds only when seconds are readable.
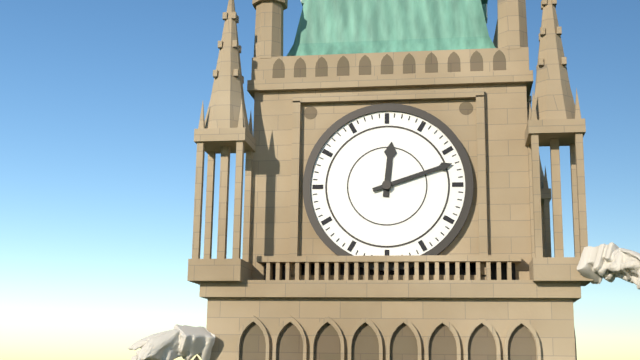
12.12
